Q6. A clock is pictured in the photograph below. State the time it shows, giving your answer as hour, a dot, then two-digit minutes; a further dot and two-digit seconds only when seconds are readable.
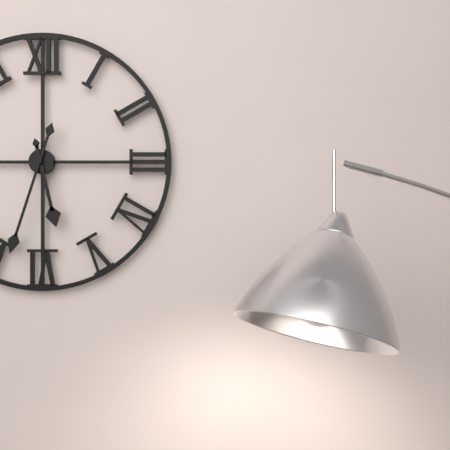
5.33
